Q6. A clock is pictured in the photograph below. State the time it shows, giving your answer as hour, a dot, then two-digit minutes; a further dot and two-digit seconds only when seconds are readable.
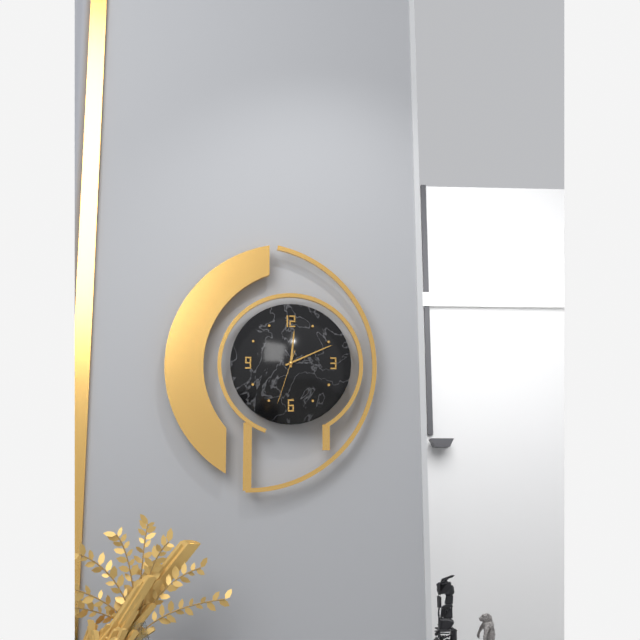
12.11.33
